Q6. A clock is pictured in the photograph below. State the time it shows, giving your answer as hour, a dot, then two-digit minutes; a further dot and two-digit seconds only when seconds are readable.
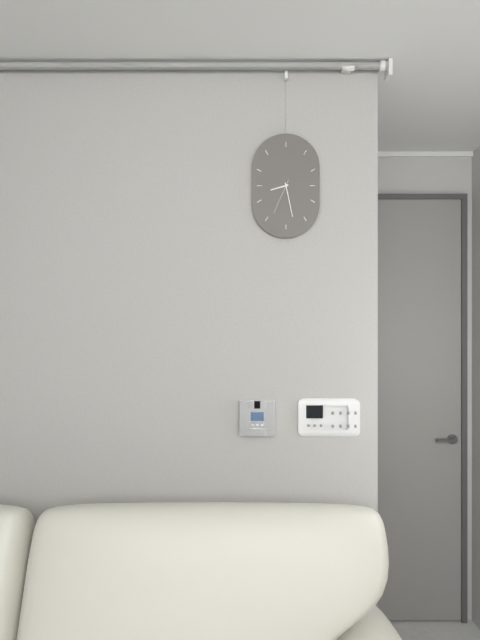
8.28
